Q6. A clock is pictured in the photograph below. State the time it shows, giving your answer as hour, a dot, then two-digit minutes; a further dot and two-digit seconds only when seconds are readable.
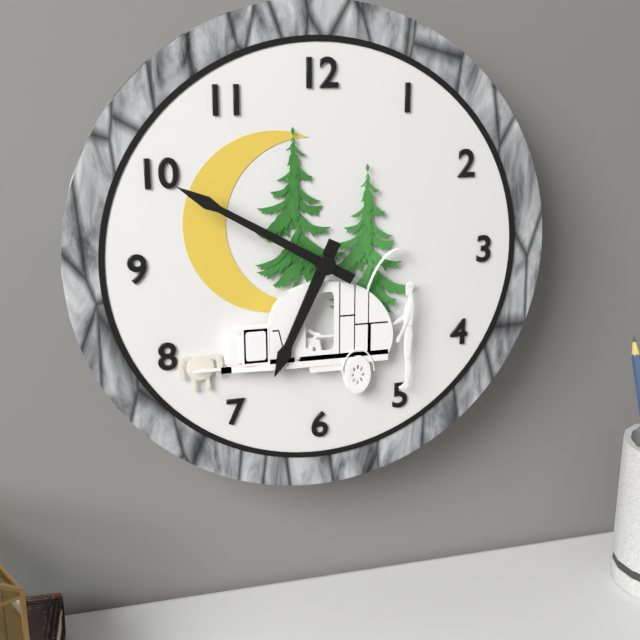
6.50
